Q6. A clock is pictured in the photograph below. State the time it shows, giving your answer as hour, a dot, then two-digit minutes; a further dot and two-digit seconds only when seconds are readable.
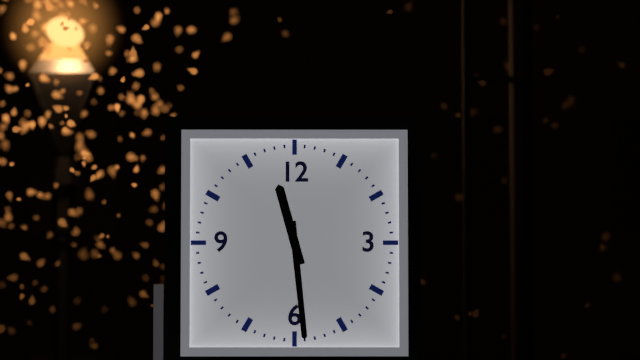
11.29
